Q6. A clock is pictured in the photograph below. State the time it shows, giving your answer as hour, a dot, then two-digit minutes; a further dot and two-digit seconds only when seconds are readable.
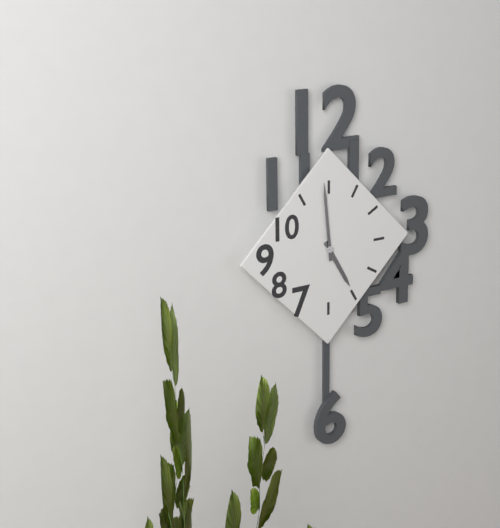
4.59
